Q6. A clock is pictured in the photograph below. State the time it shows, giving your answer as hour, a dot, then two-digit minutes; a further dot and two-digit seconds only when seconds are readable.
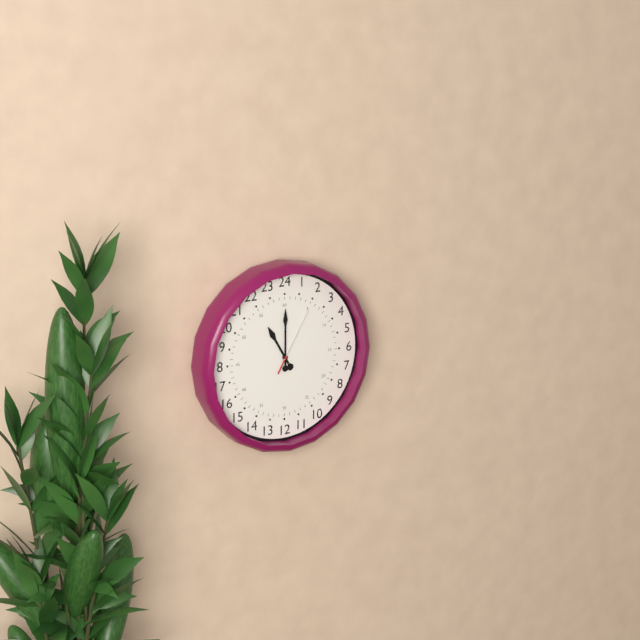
11.00.05
